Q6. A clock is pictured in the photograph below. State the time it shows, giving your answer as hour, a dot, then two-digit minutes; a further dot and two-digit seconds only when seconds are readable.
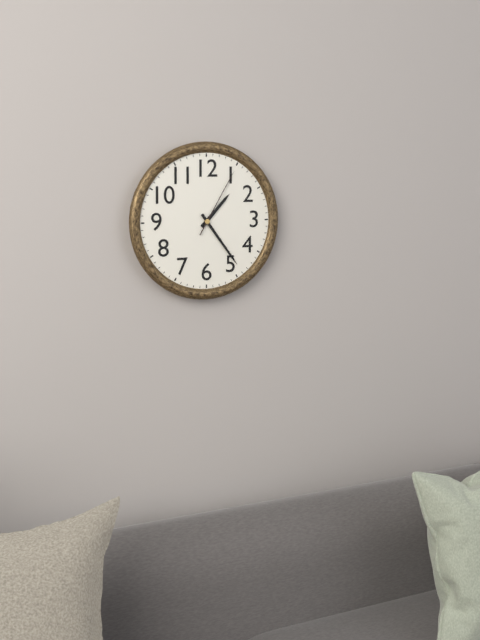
1.24.05
